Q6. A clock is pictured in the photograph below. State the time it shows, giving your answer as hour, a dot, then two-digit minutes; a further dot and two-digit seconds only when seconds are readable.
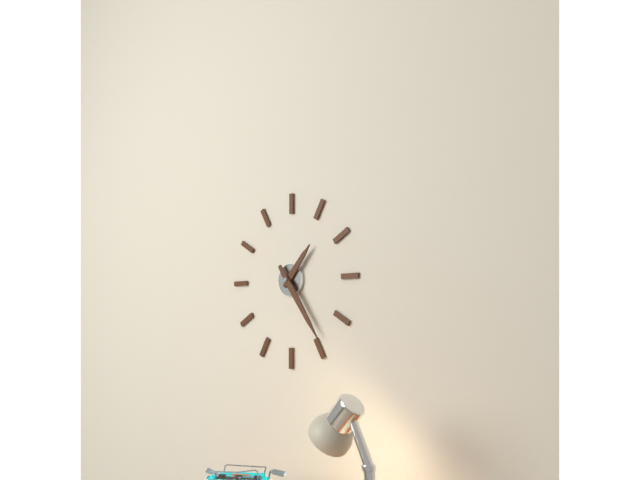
1.24
